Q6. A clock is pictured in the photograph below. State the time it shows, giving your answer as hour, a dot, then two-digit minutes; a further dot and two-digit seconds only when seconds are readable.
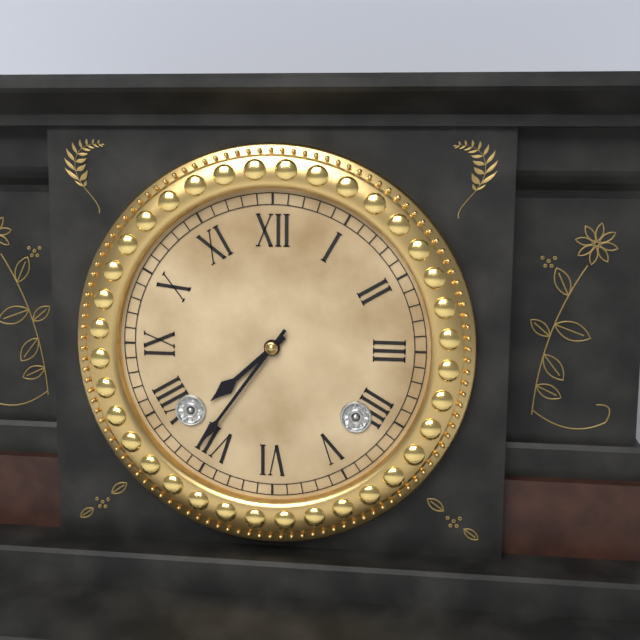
7.36
